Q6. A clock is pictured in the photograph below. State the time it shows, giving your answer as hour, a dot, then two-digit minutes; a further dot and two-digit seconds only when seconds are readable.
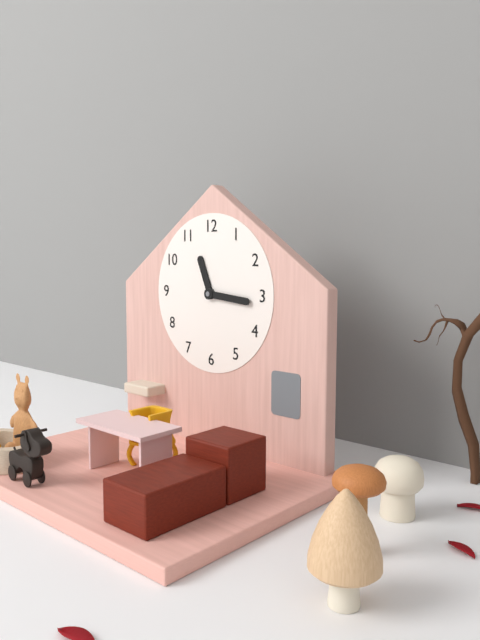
11.16
